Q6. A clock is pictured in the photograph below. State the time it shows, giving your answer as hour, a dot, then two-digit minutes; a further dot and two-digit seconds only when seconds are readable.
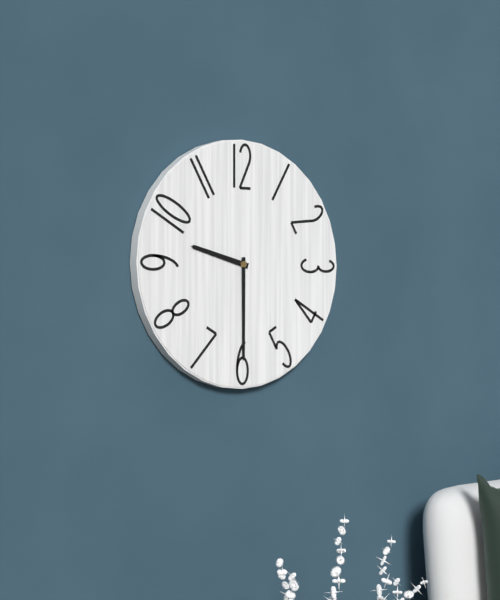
9.30
